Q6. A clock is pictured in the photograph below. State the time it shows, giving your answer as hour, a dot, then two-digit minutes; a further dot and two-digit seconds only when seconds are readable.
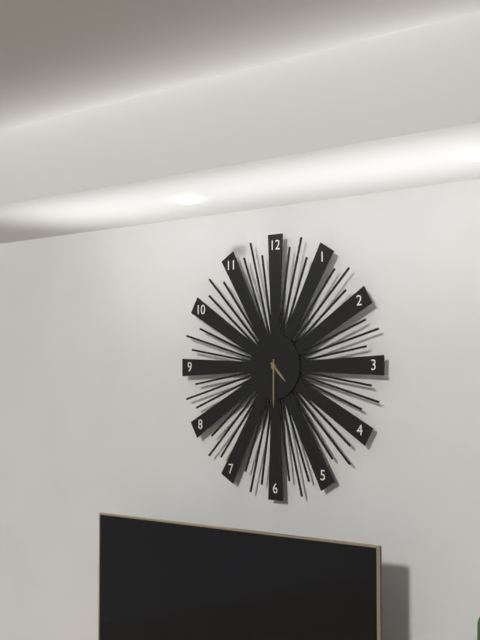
4.30
